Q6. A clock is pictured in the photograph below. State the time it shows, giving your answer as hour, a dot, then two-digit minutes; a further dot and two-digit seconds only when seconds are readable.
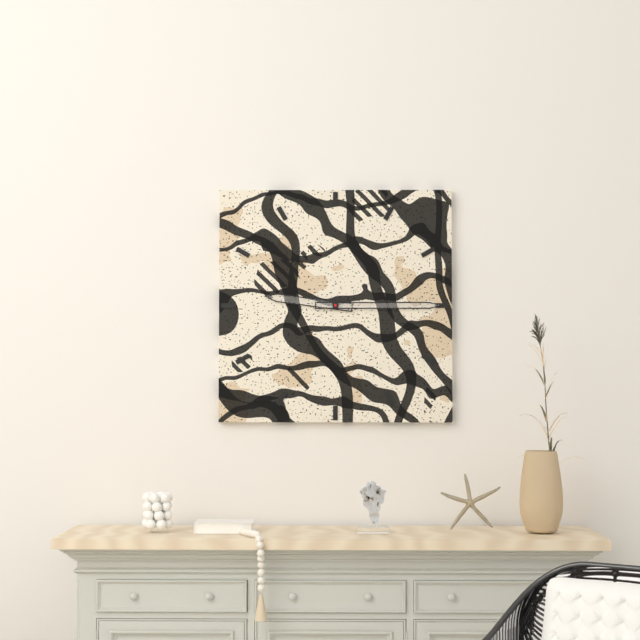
9.15
